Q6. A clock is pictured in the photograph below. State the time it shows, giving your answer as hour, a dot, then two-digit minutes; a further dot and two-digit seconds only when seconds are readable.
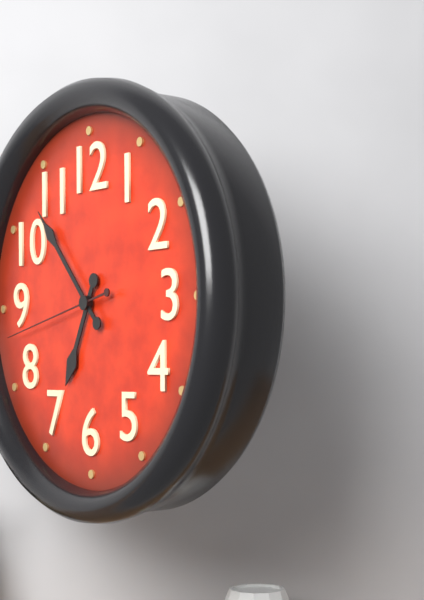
6.53.43
